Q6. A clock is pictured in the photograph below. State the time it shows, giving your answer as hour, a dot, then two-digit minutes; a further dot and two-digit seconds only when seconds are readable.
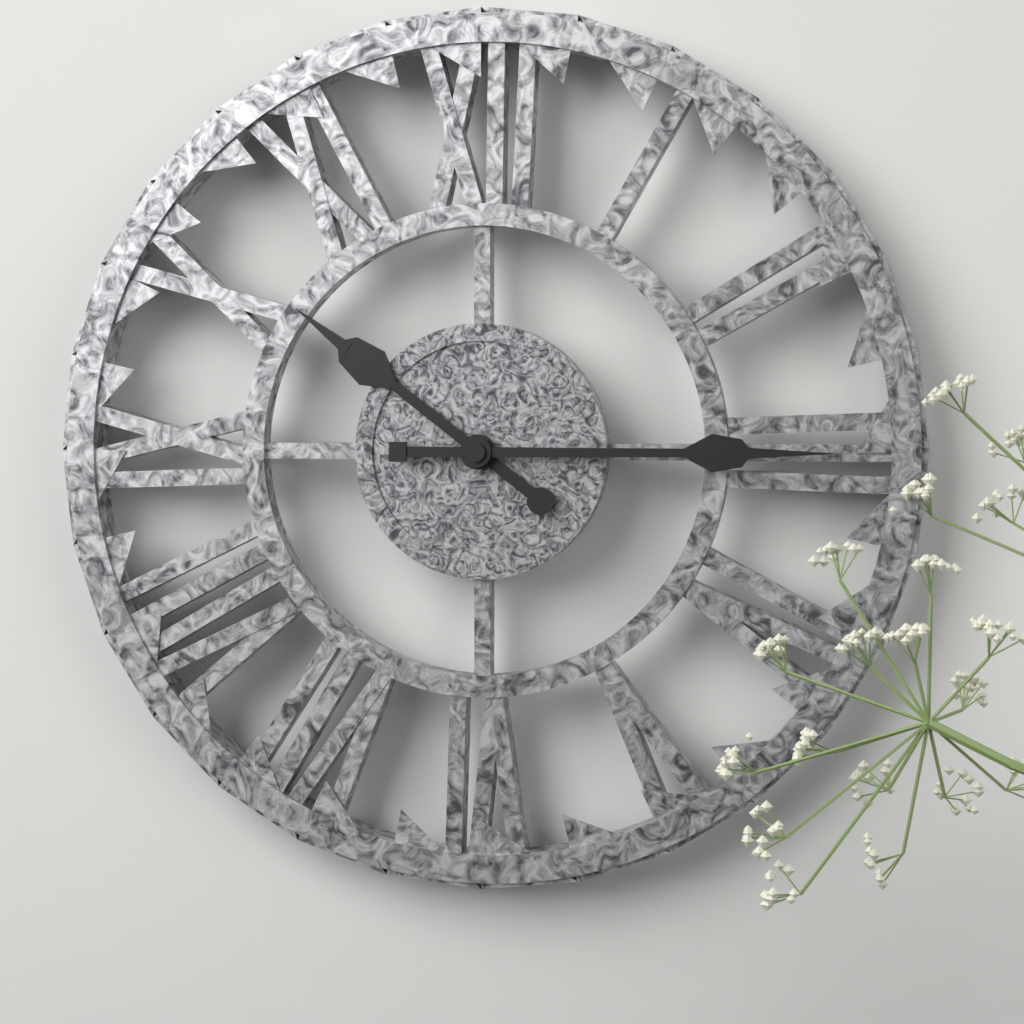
10.15
